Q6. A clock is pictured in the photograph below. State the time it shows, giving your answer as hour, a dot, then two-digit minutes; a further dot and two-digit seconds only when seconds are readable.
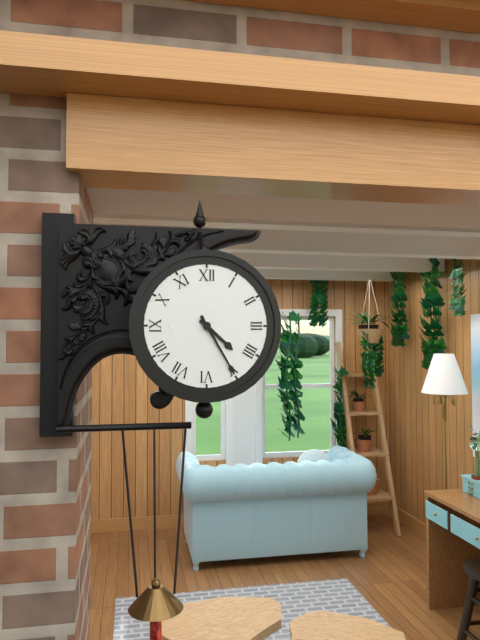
4.25
